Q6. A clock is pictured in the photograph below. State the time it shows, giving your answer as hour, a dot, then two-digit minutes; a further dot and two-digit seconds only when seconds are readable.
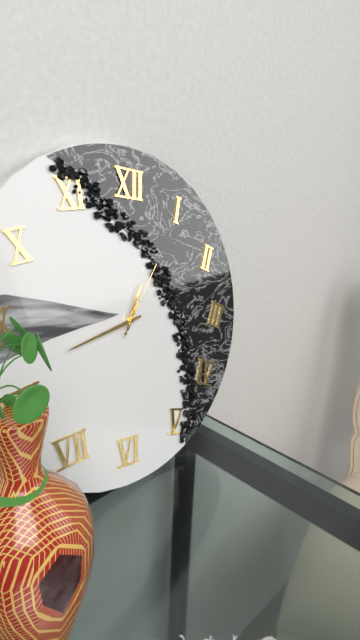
12.42.05
